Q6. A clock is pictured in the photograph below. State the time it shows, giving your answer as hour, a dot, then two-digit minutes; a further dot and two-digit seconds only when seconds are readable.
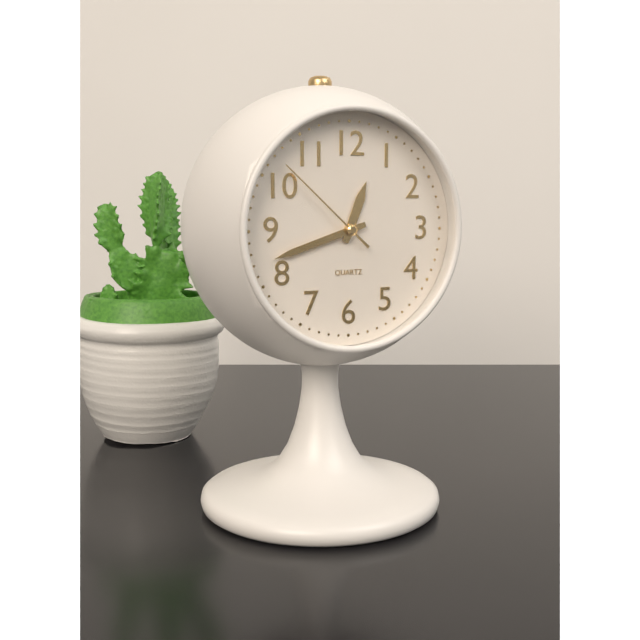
12.42.52
